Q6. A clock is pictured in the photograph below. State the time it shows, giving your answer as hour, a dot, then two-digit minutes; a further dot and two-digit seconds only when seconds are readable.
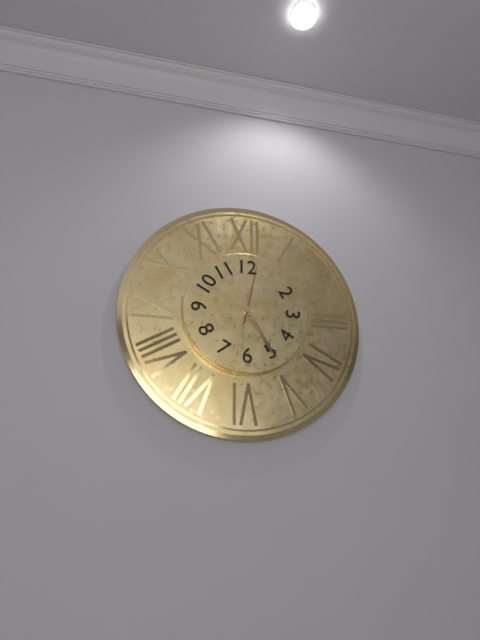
12.25.02
